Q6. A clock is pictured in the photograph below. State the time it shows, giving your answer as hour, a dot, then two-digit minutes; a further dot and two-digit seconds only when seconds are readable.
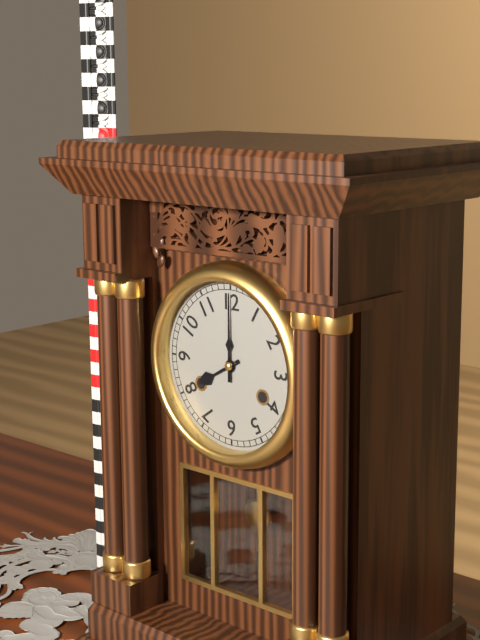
8.00
